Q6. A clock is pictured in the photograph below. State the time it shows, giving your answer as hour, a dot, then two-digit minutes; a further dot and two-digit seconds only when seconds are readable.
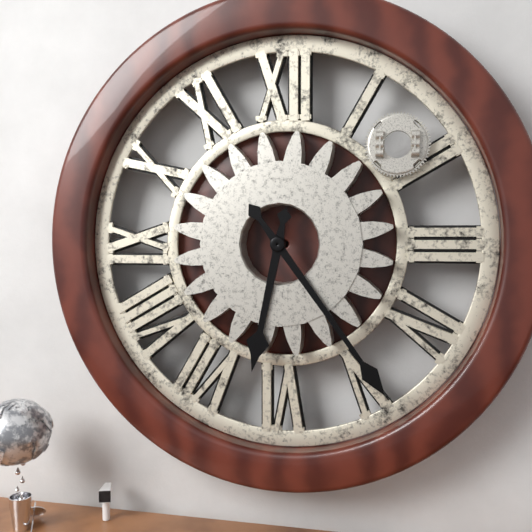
6.24
